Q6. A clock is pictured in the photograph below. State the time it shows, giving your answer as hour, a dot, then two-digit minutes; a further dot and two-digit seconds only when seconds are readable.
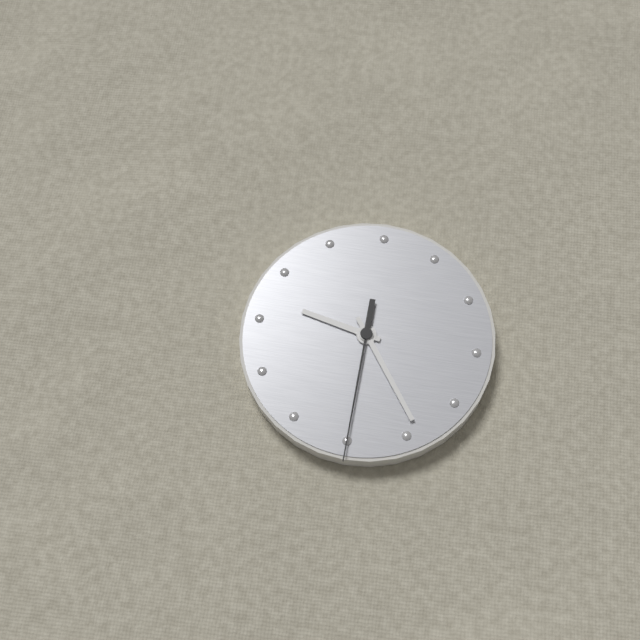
9.24.30
